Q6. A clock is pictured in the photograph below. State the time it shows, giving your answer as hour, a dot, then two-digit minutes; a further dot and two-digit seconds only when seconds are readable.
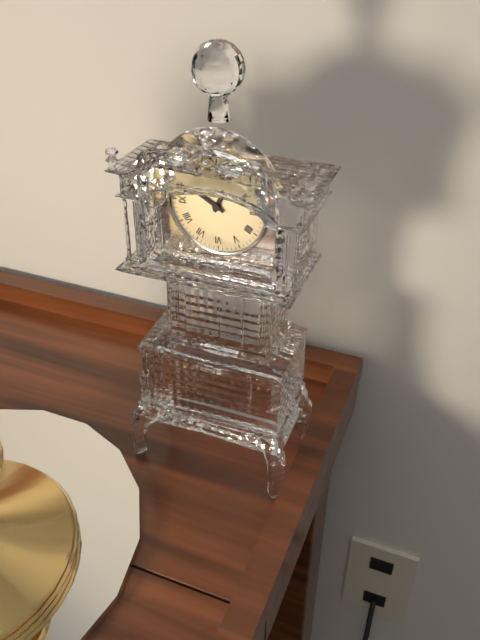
12.50
